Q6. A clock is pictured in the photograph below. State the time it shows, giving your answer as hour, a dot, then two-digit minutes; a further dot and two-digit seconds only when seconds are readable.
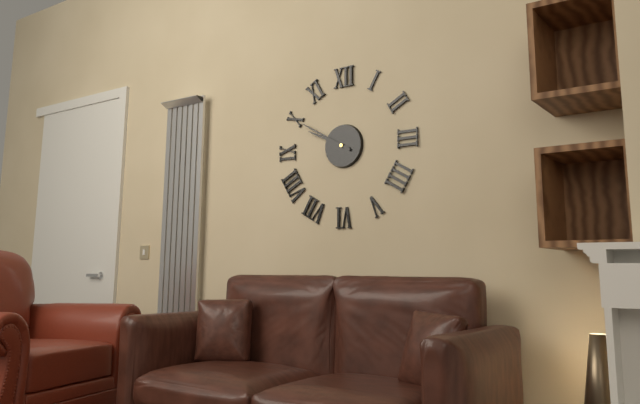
9.50
